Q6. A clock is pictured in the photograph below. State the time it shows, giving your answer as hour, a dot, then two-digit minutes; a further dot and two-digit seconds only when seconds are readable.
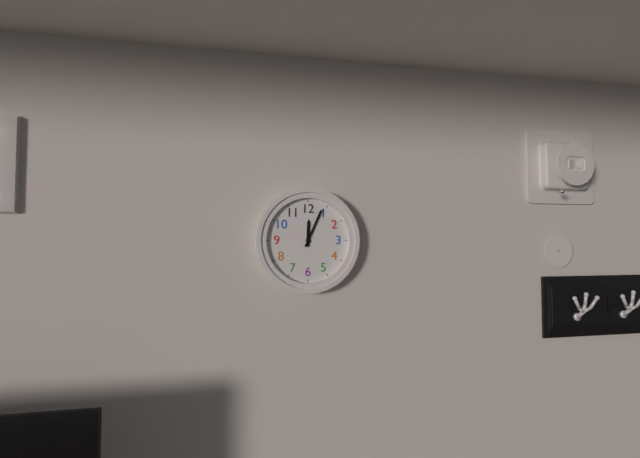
12.04
